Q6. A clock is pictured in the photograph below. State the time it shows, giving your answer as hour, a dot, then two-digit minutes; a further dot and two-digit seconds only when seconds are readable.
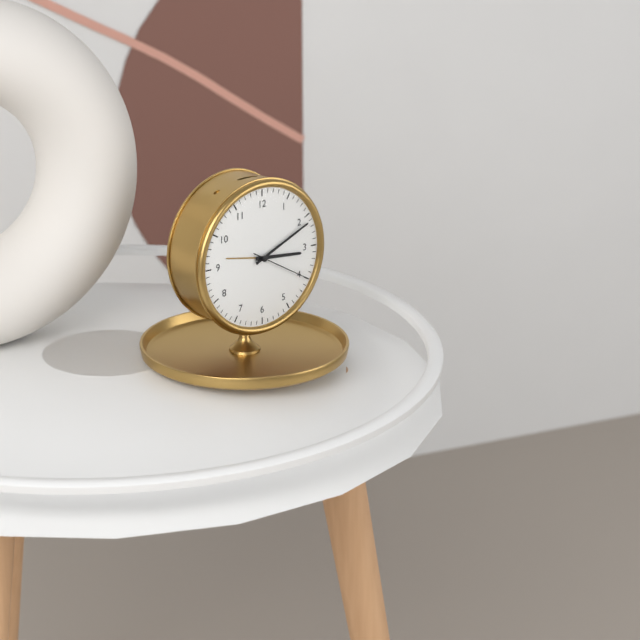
3.11.20
